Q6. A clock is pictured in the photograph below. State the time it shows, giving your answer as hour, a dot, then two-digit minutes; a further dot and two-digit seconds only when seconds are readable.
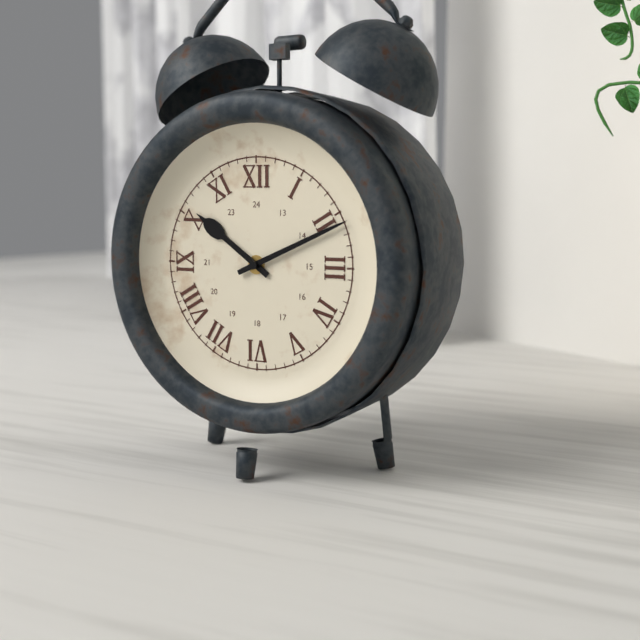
10.11
